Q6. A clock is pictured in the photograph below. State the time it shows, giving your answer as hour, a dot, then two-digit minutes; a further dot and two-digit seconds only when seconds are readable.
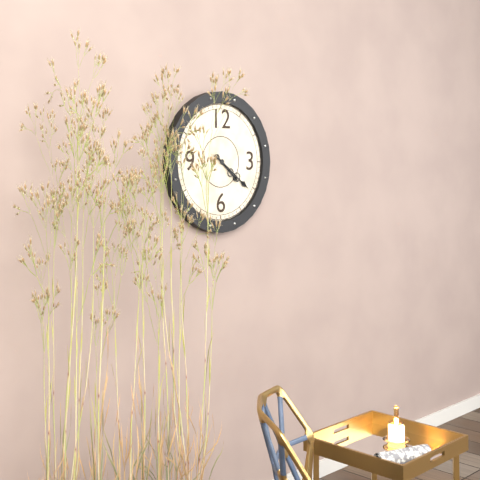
4.21
